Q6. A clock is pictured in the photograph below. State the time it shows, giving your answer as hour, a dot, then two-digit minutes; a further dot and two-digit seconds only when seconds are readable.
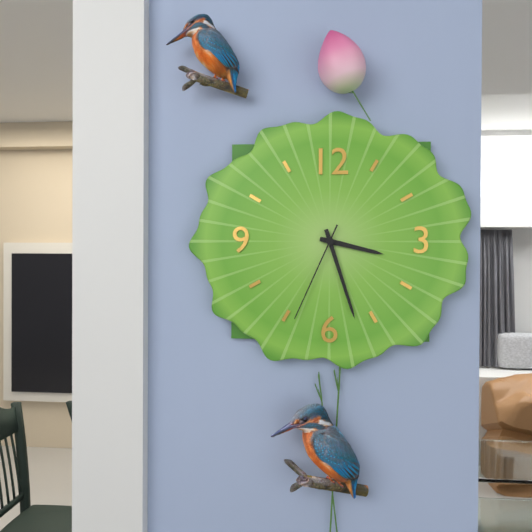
3.27.34
